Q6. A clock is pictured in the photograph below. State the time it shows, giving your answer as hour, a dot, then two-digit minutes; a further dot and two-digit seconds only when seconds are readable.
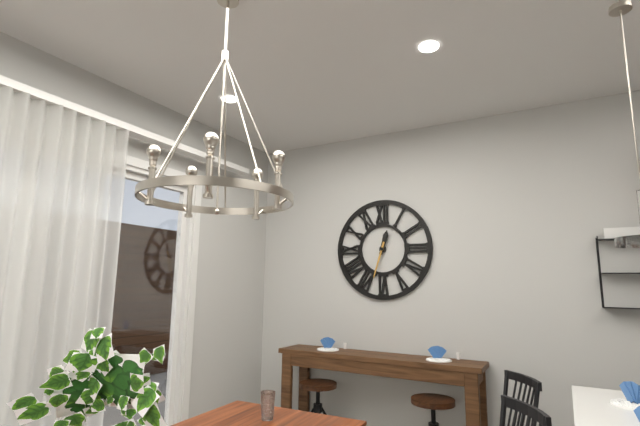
12.33
